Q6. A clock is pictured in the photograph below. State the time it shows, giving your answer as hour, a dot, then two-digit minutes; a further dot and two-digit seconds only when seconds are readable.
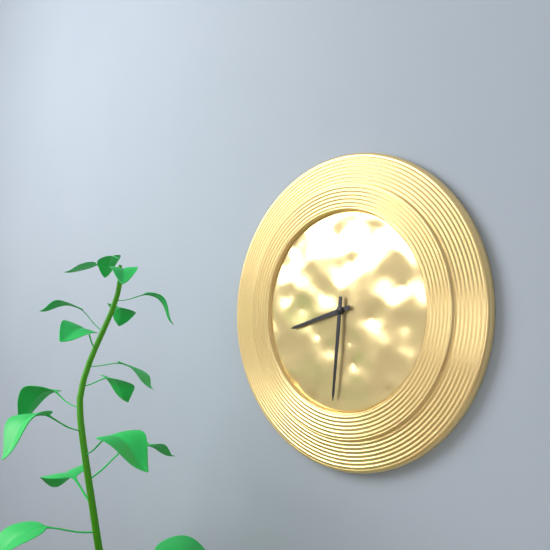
8.31
